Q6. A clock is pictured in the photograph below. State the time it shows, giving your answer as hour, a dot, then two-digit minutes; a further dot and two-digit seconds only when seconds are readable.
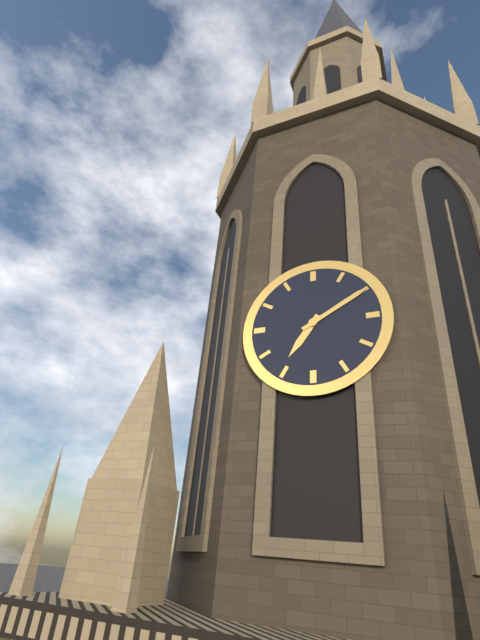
7.10
